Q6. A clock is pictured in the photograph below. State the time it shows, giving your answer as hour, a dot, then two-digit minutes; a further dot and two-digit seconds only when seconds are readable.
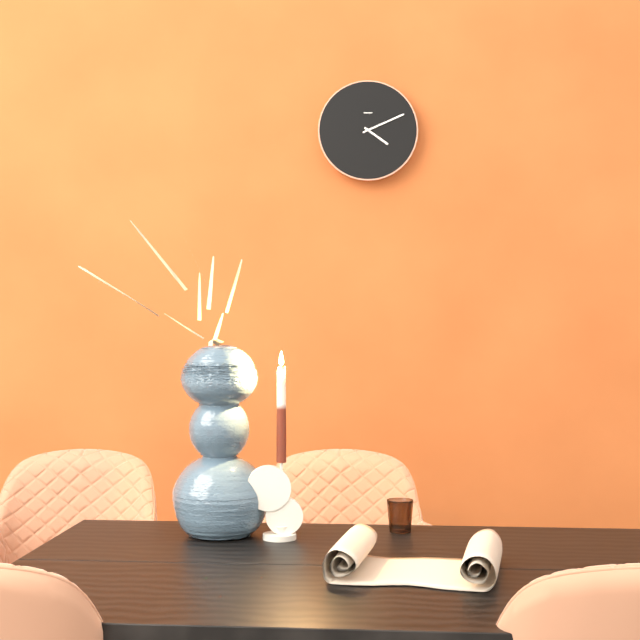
4.11
